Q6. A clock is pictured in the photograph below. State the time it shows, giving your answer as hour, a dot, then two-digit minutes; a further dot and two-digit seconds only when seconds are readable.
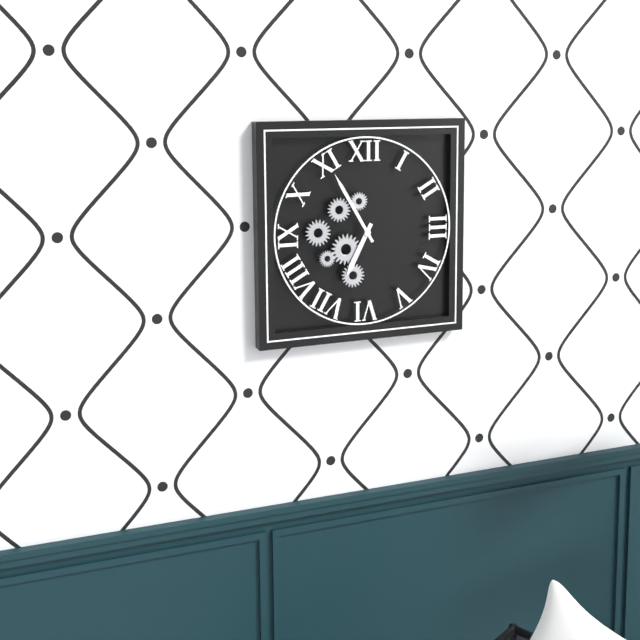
6.55
